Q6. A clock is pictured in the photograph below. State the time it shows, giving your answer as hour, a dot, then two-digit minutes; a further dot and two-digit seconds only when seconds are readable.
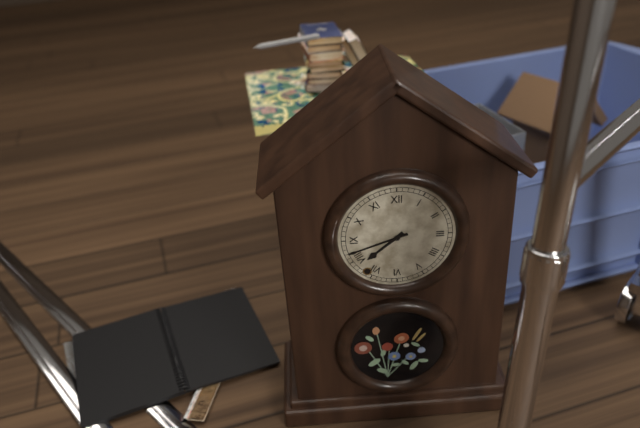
7.42
